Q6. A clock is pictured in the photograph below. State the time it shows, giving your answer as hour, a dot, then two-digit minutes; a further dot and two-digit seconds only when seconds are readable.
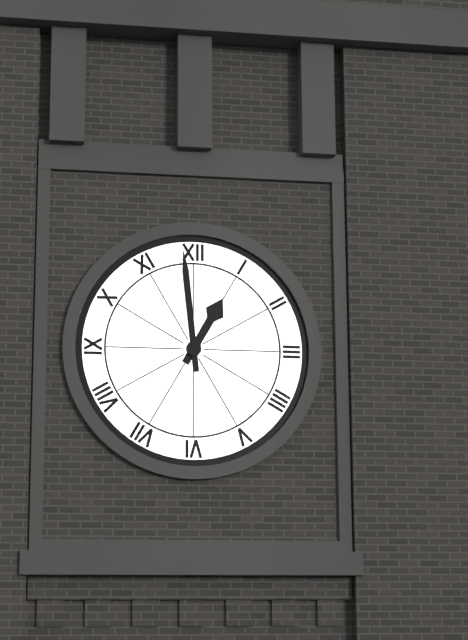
12.59
